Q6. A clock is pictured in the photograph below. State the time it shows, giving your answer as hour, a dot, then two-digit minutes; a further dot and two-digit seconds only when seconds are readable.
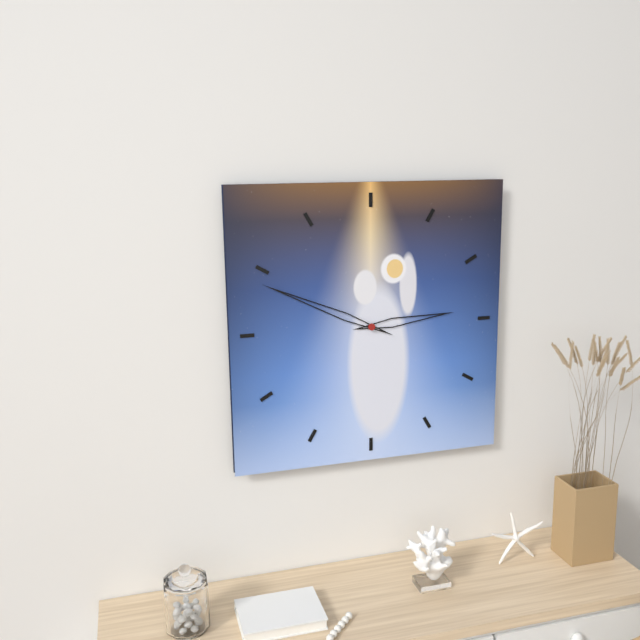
2.49
